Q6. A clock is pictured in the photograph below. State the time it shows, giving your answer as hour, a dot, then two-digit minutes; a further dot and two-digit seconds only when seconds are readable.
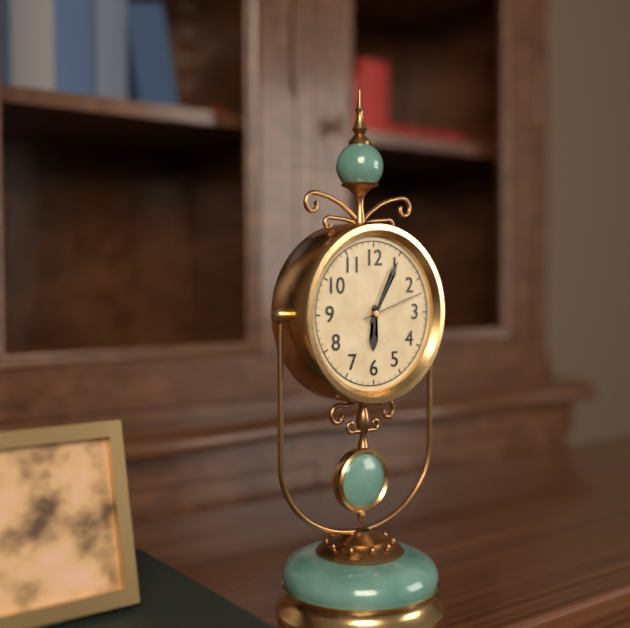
6.05.12
